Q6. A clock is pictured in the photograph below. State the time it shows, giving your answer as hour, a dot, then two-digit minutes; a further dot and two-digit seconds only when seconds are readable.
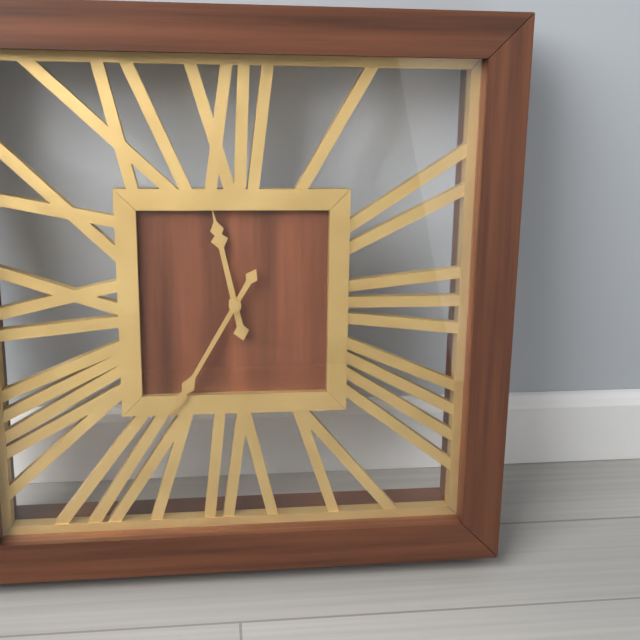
11.35
